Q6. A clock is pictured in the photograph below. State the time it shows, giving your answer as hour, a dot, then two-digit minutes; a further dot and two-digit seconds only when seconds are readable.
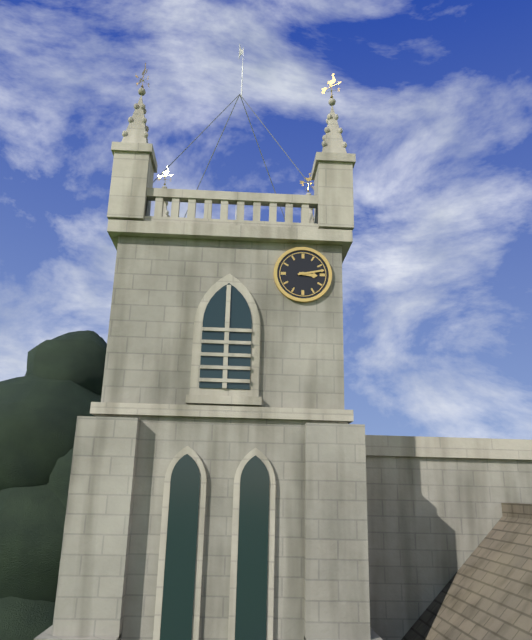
3.13
